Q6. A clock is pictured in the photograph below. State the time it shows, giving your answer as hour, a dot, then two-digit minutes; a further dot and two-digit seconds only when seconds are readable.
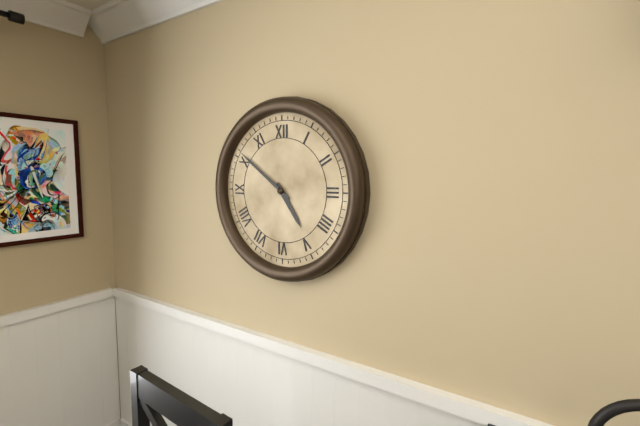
4.51
